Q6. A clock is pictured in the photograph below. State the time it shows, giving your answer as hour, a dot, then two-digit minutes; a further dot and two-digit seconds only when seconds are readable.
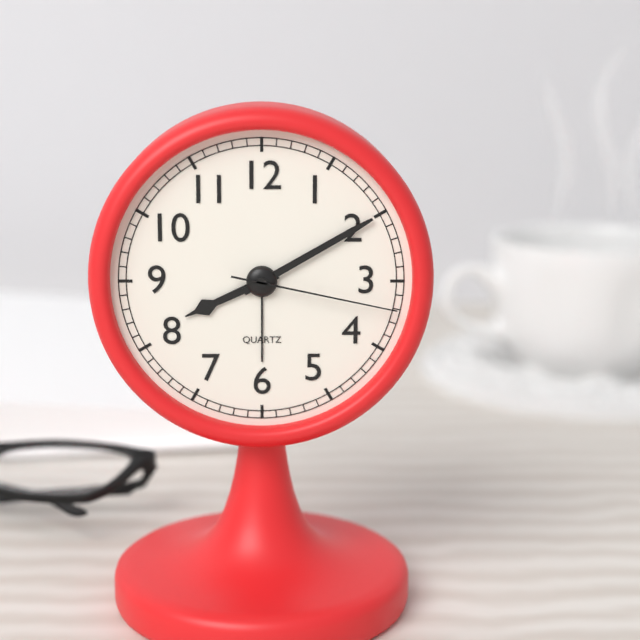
8.10.17
